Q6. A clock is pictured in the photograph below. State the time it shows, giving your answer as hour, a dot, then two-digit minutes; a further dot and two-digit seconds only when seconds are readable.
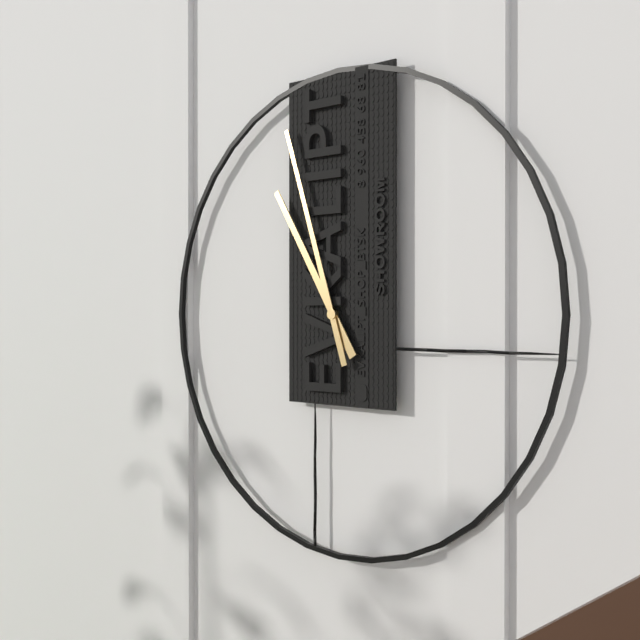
10.57
